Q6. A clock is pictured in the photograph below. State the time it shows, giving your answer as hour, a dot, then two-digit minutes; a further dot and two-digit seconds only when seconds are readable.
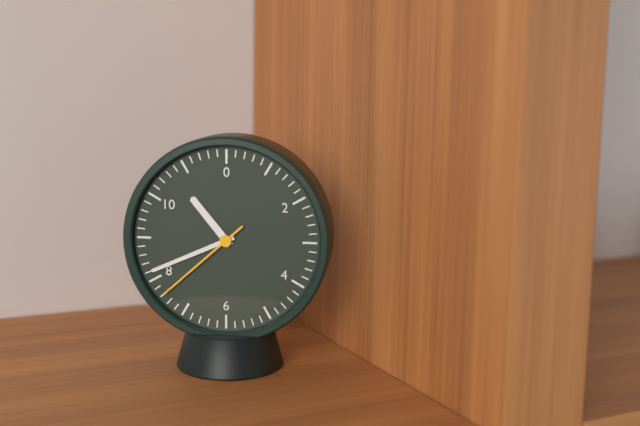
10.41.38
